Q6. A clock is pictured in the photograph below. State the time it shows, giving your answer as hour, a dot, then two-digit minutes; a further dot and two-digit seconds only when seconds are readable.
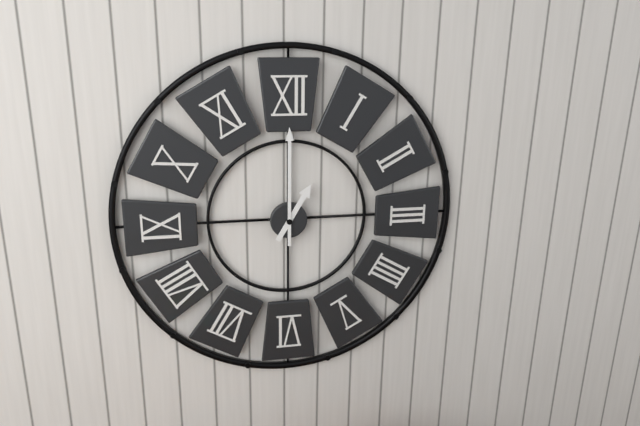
1.00
